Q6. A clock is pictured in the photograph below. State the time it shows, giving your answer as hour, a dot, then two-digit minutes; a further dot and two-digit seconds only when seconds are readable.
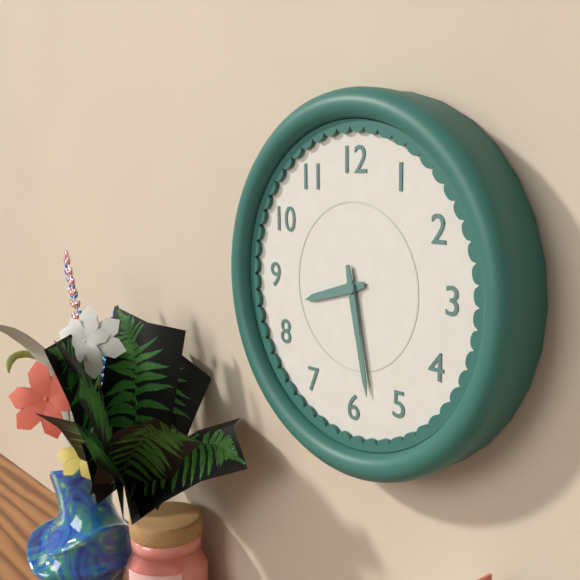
8.28
